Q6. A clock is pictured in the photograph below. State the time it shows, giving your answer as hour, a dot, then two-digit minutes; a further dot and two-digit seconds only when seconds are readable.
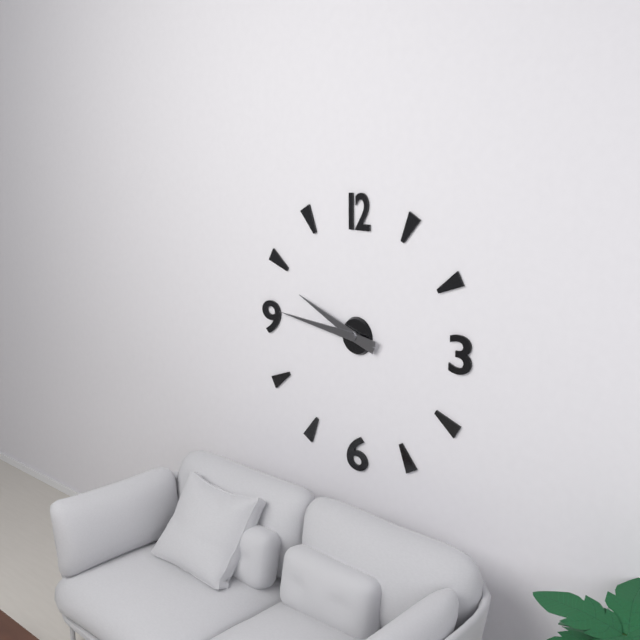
9.46
